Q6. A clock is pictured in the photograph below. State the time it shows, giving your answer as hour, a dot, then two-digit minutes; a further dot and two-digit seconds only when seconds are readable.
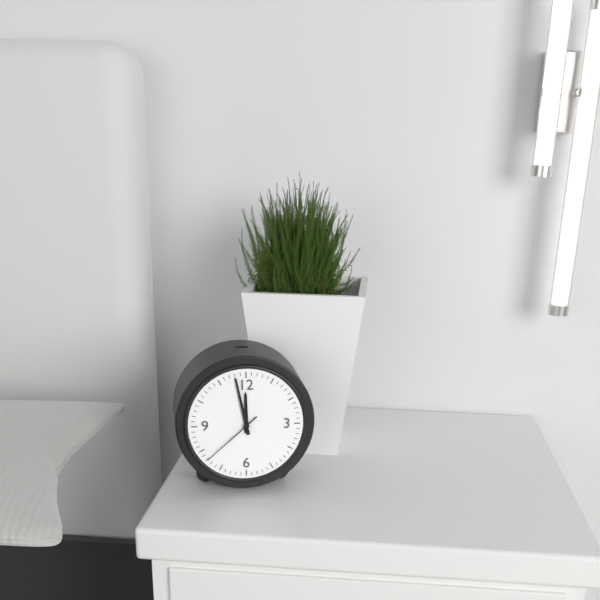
11.58.38
